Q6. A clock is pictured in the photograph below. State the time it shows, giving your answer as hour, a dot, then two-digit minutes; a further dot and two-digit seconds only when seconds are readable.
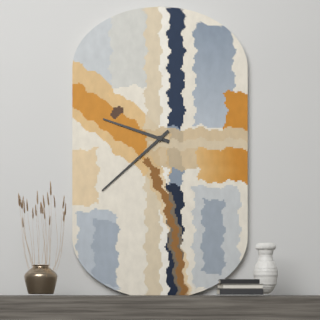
9.38
